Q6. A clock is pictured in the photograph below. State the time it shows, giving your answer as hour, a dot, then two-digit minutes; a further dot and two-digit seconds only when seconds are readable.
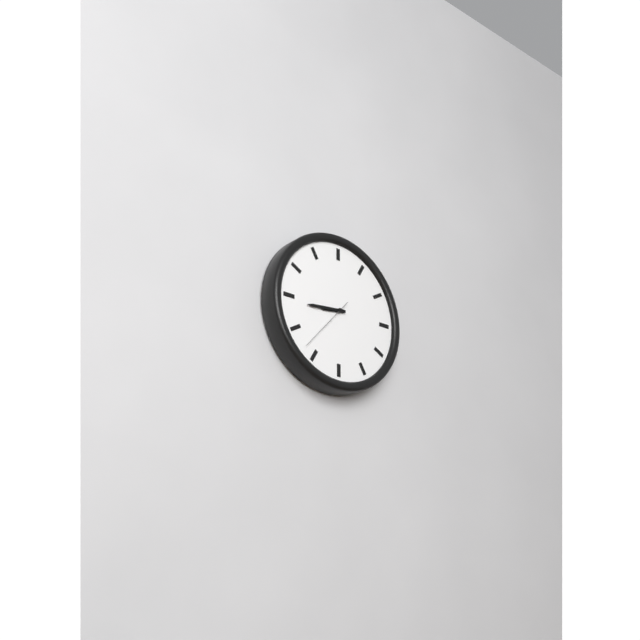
8.44
